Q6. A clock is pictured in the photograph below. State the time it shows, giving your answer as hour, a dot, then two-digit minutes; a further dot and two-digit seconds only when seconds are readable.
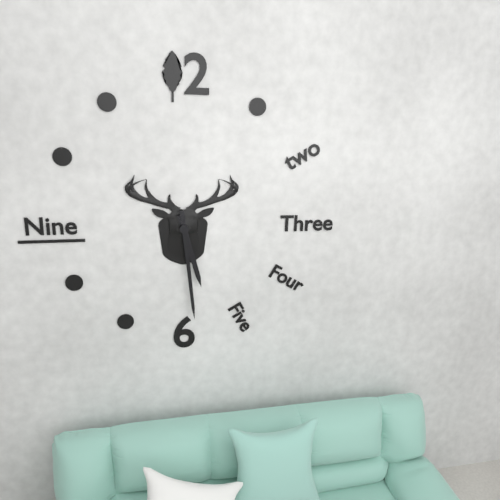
5.29
